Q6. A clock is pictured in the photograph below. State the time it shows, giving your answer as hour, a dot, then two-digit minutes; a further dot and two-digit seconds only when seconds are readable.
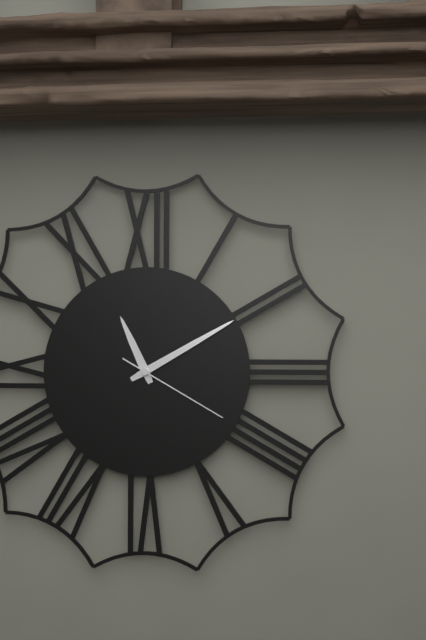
11.10.20
